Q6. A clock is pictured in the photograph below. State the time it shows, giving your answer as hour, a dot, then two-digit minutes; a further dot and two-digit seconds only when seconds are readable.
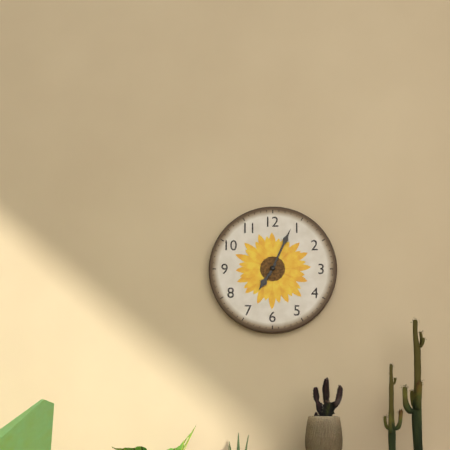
7.04
